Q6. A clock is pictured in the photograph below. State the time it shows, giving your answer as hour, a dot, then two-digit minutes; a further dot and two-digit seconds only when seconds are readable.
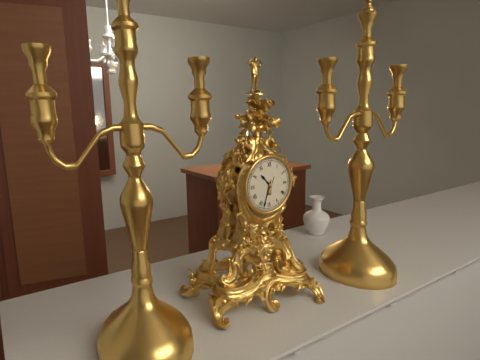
10.33
